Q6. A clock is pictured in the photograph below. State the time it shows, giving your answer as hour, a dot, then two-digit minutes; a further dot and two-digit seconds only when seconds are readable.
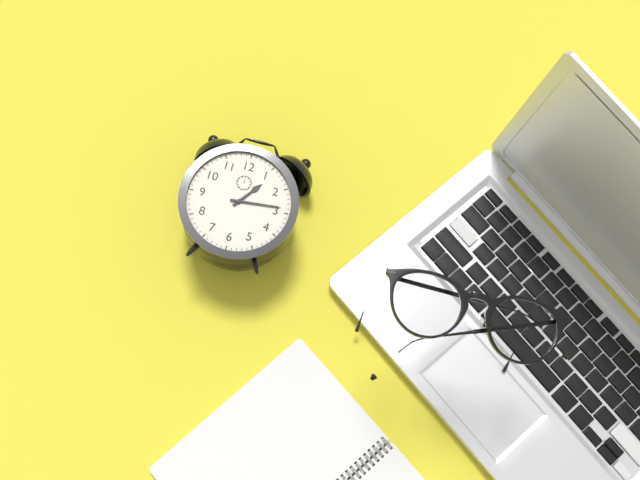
1.14
